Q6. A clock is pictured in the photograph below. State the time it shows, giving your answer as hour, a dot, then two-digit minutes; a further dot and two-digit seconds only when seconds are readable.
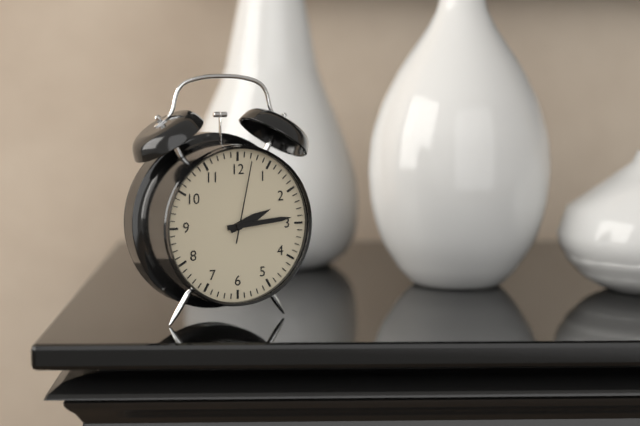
2.14.02
